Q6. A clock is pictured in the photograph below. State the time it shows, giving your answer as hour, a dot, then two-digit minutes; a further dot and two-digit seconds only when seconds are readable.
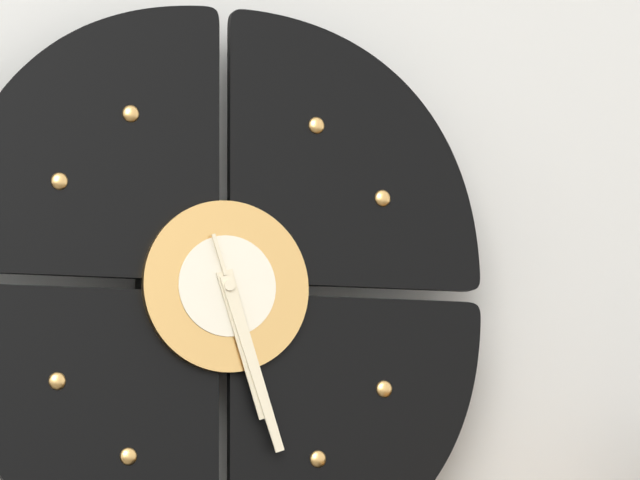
5.27
